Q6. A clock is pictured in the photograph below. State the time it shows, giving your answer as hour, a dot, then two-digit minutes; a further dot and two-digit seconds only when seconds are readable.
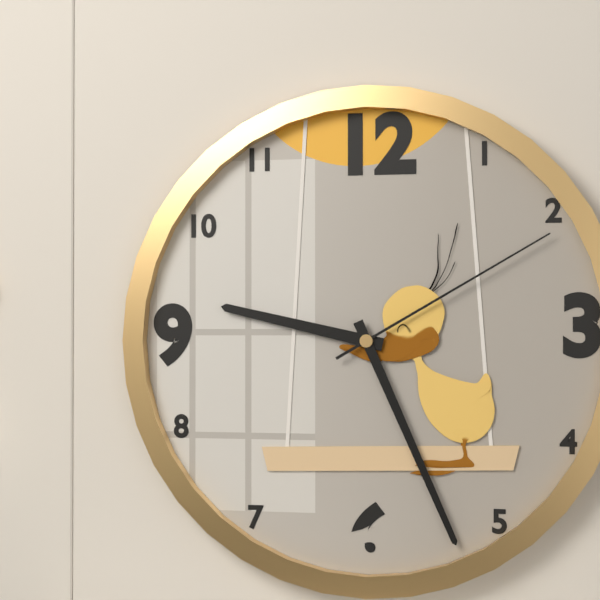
9.26.10
